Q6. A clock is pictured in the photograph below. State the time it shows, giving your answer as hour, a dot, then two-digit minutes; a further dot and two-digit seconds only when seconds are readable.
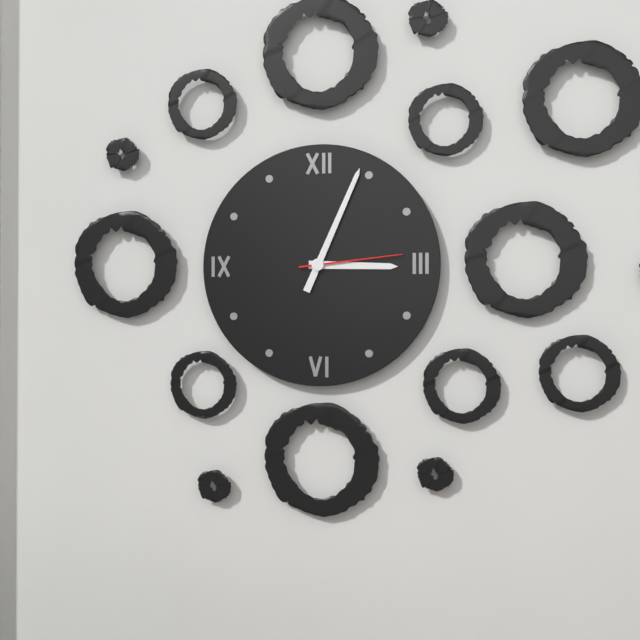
3.04.14
